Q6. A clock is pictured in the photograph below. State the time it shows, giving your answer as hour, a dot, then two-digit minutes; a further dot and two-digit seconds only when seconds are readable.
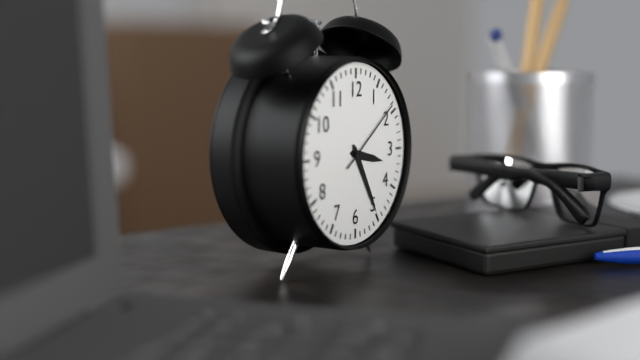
3.25.09
